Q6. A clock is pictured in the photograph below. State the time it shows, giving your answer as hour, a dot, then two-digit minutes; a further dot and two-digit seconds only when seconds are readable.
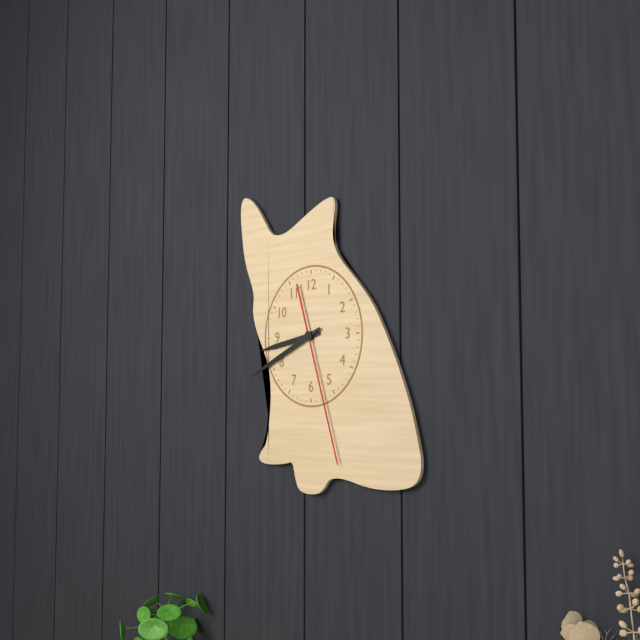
8.41.27
